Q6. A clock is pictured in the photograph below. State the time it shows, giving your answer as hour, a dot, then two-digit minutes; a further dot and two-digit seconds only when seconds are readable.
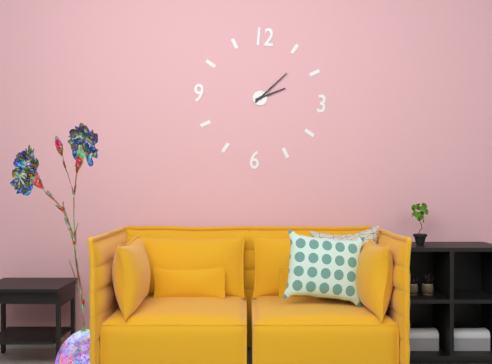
2.07
